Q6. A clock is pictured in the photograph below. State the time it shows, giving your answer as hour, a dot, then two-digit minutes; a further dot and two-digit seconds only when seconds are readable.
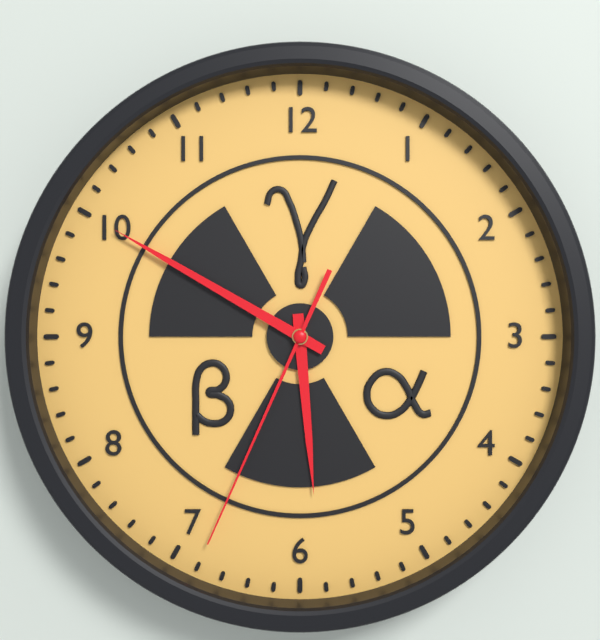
5.50.34
